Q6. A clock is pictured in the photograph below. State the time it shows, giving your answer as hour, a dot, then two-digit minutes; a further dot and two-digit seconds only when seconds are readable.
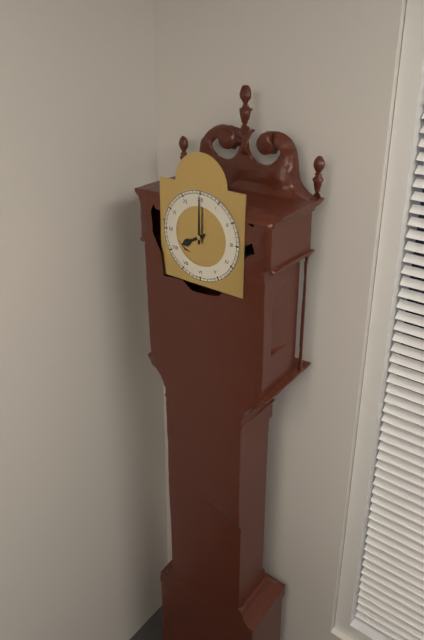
8.00
